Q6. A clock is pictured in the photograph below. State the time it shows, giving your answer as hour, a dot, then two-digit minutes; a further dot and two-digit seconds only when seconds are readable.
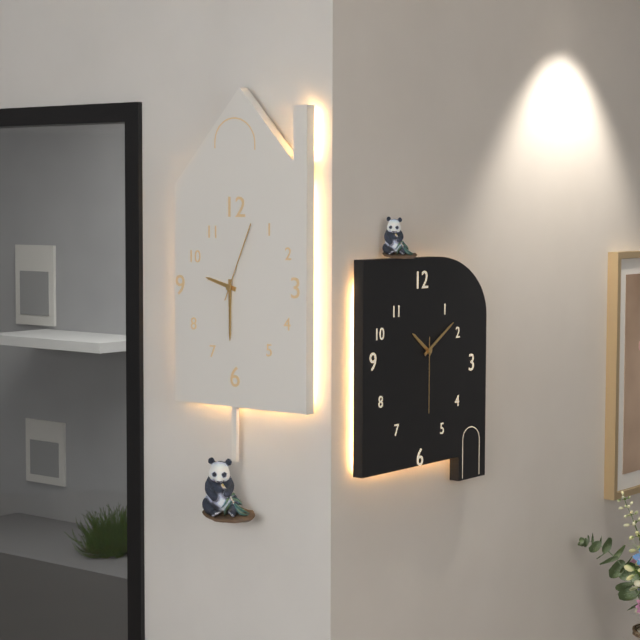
9.30.04
